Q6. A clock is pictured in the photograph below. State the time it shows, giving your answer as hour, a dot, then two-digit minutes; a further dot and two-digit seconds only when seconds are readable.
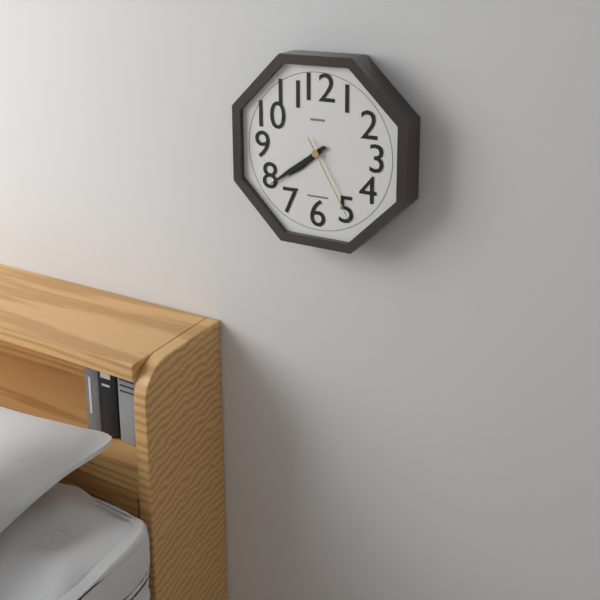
7.39.25
